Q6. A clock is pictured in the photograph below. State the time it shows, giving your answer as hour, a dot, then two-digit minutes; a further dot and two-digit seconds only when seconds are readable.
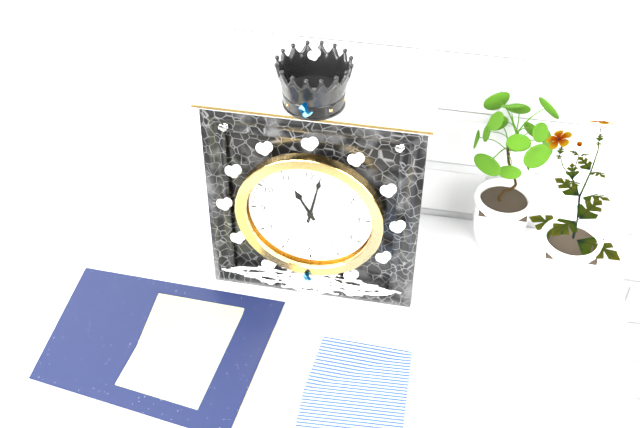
11.02
